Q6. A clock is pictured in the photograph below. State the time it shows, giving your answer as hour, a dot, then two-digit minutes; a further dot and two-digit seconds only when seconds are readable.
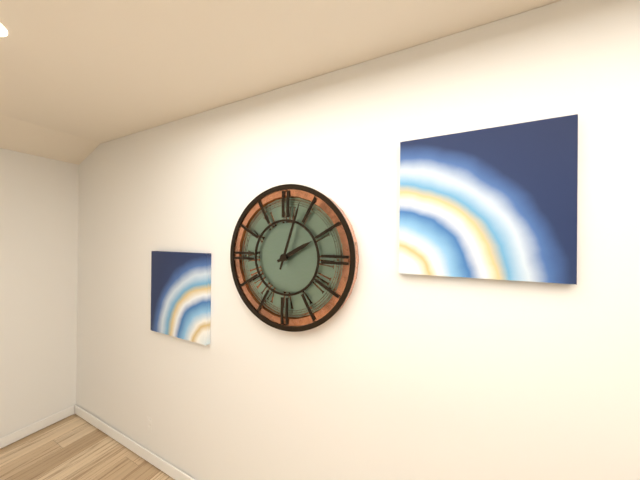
2.03
